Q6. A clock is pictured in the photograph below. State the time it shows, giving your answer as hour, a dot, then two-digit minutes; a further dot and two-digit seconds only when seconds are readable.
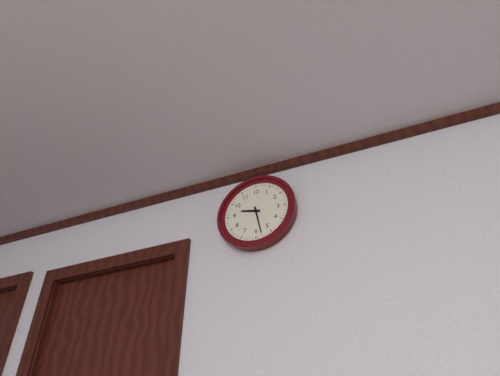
9.28
